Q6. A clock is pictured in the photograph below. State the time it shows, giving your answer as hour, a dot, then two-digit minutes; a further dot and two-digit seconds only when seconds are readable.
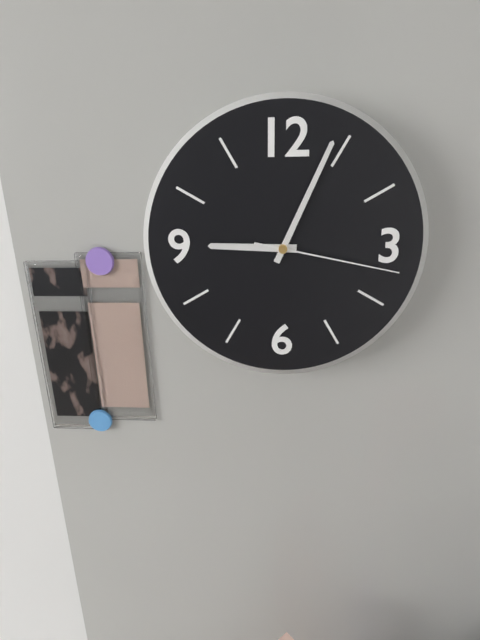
9.04.17
